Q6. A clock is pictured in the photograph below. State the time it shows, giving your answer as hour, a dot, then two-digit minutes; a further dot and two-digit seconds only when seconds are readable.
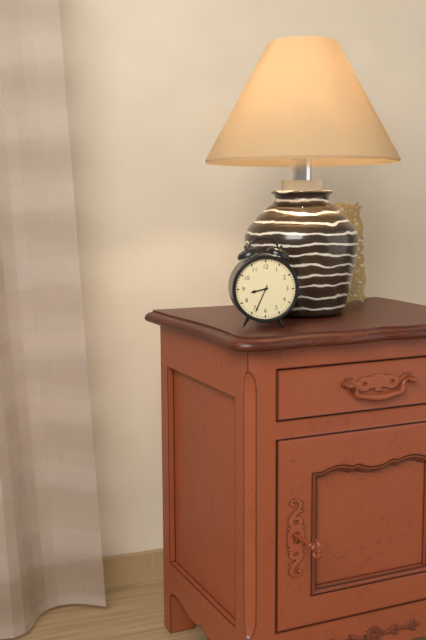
8.34
